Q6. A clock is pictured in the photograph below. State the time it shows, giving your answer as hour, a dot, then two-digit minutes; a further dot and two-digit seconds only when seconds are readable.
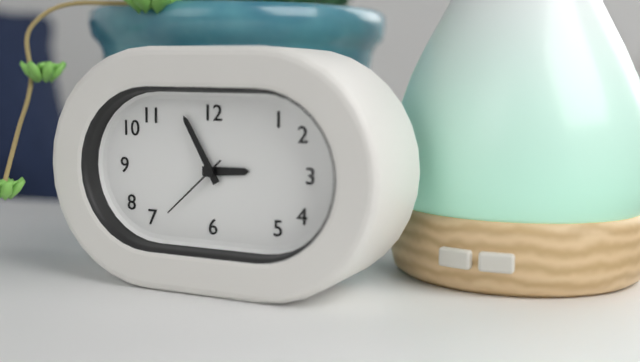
2.55.38
